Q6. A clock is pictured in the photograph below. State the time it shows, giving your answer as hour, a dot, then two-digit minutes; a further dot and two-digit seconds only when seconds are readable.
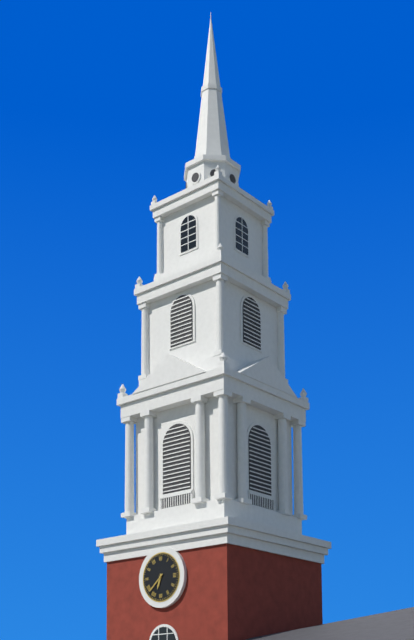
6.38
